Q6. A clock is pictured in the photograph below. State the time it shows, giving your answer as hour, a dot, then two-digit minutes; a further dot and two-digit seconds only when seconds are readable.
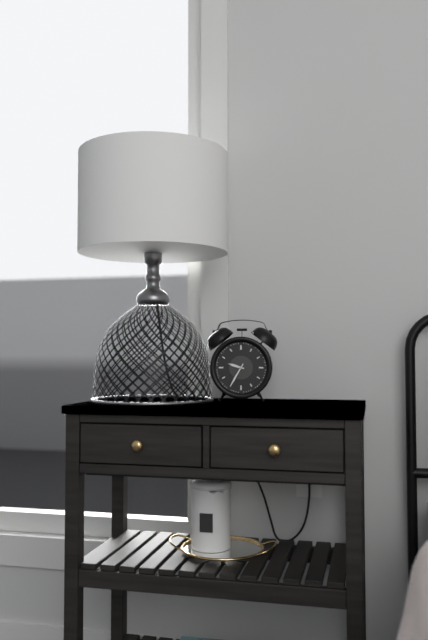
9.35
